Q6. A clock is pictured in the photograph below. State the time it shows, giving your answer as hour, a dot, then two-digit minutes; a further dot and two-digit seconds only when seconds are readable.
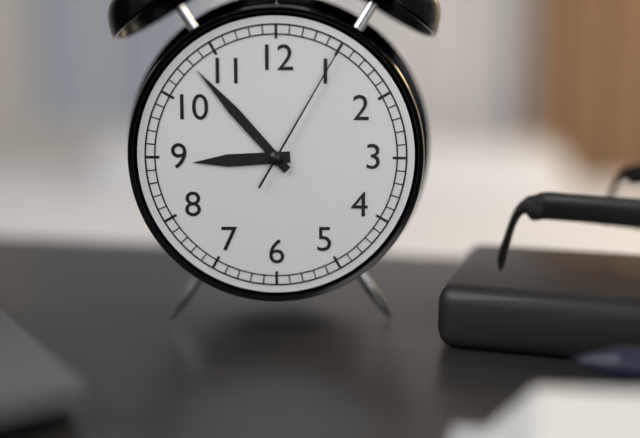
8.53.05
